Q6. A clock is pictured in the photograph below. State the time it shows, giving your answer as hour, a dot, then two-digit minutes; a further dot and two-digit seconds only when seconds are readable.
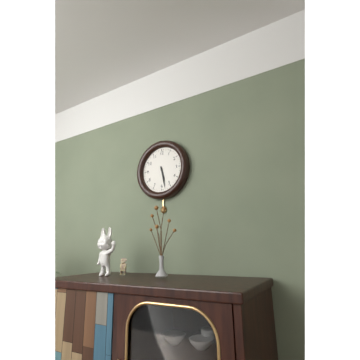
5.28
